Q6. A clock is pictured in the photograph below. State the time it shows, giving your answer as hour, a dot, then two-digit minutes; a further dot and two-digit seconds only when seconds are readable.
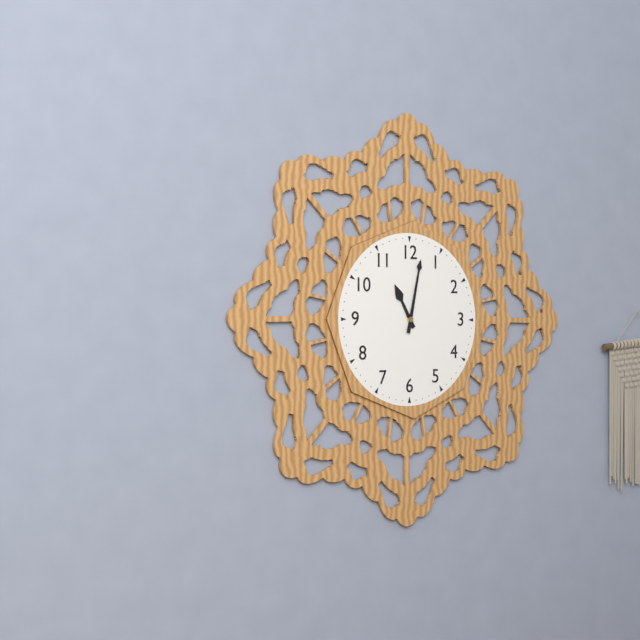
11.02
